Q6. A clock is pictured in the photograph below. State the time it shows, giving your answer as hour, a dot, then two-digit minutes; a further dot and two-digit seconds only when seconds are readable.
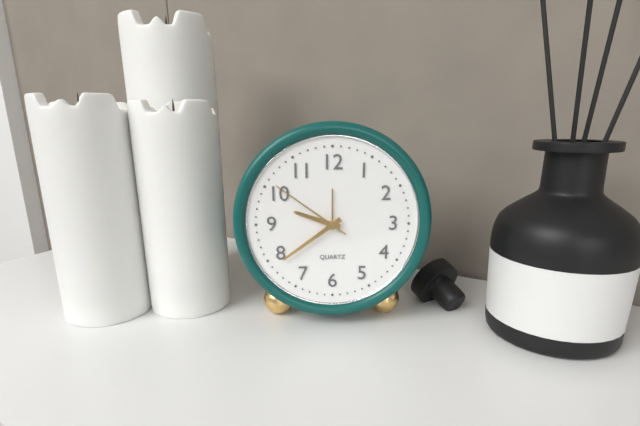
9.39.51
